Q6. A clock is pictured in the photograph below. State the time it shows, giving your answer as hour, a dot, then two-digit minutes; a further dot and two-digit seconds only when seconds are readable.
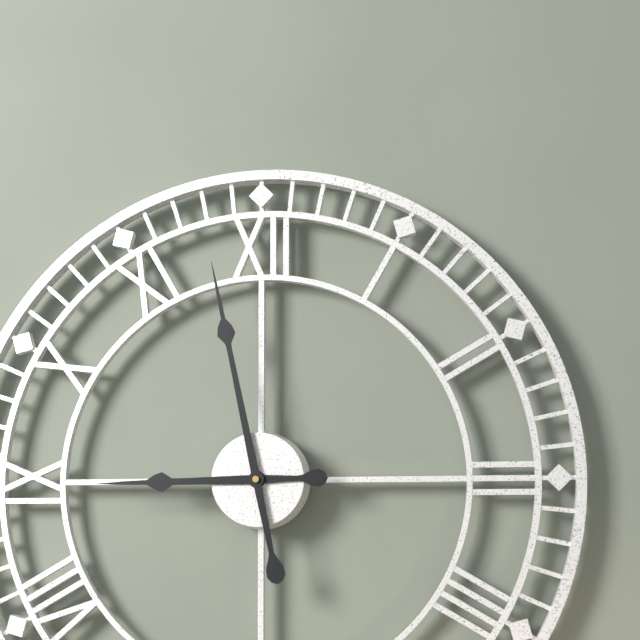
8.58
